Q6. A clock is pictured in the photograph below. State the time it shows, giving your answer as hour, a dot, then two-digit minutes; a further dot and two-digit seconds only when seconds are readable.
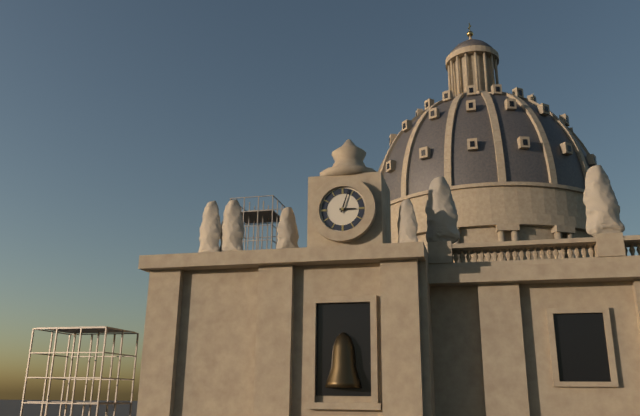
3.03
